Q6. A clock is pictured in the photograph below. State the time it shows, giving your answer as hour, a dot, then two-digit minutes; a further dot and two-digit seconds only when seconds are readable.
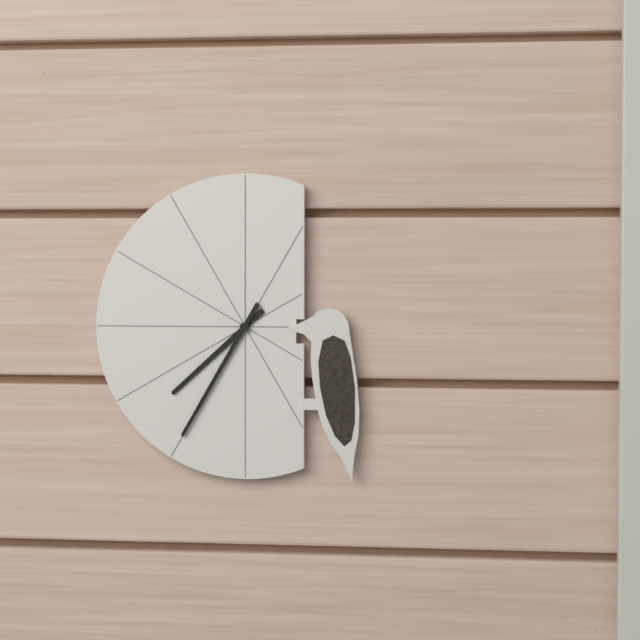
7.35
